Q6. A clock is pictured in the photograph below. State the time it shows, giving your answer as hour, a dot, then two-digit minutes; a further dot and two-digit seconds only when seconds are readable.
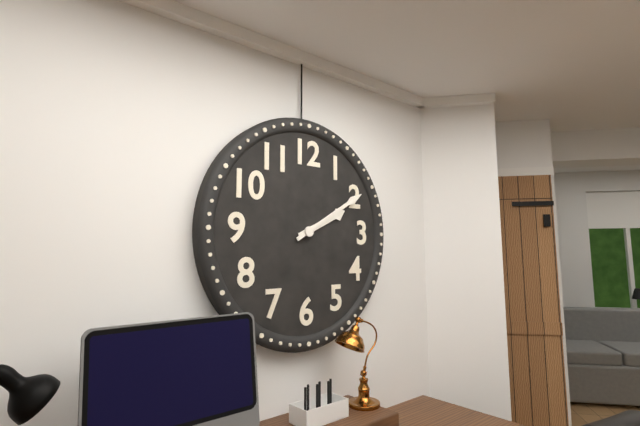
2.10
